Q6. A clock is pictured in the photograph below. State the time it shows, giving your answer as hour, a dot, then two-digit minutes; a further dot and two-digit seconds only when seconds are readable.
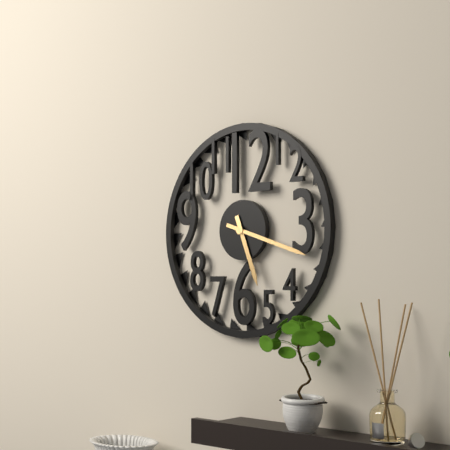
5.18
